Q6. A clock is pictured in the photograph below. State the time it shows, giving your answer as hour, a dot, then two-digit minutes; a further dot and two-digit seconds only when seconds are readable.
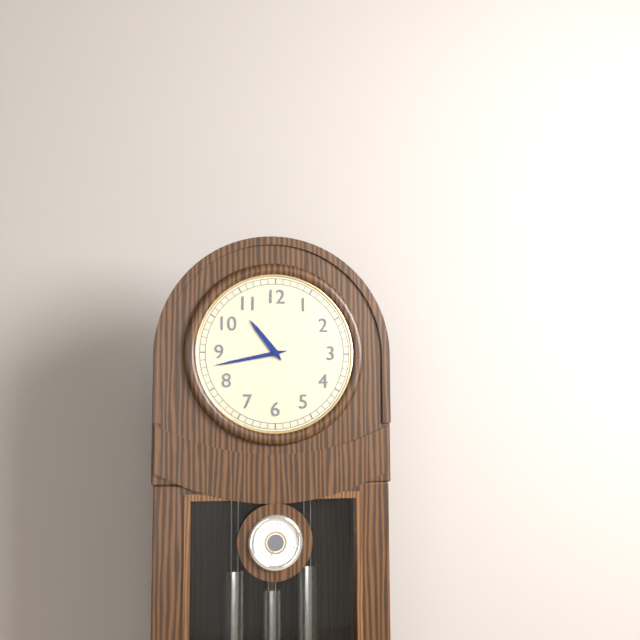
10.43
